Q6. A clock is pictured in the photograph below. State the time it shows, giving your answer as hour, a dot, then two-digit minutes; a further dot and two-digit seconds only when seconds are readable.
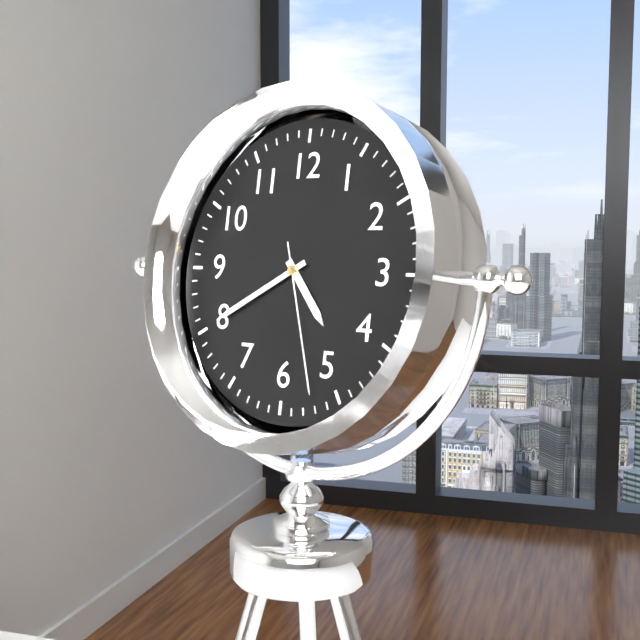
4.40.27
